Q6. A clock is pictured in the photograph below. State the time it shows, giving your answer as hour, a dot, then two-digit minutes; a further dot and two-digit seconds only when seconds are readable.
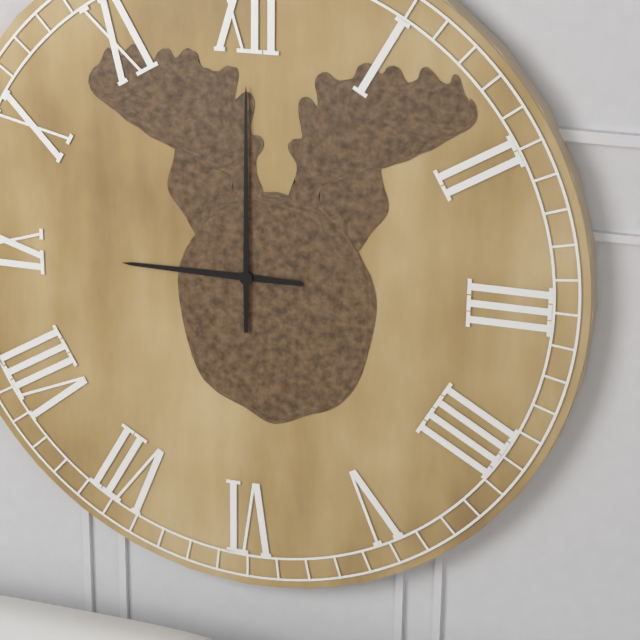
9.00
